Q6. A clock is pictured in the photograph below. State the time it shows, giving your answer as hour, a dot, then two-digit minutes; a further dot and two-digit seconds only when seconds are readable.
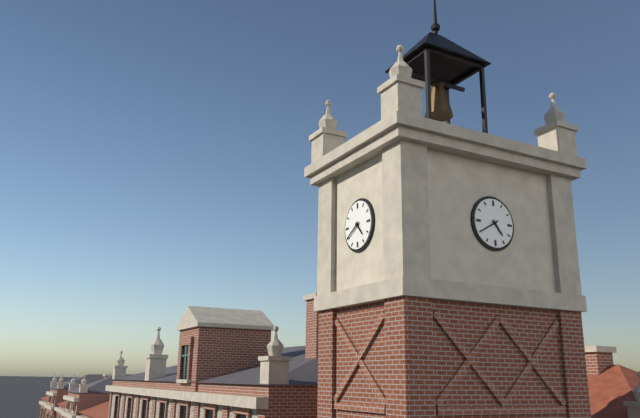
4.40
